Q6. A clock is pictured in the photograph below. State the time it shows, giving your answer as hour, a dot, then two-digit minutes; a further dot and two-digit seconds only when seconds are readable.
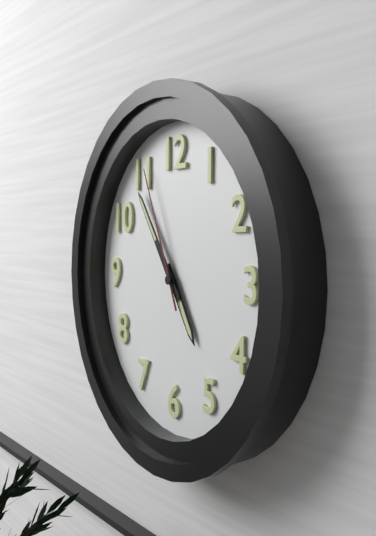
4.54.56
